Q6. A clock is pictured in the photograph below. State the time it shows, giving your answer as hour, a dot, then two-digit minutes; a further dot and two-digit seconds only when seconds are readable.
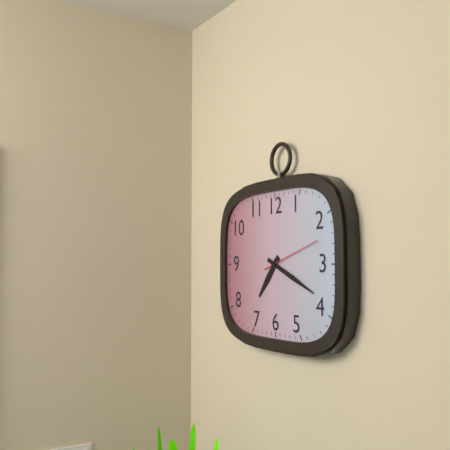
7.19.12
